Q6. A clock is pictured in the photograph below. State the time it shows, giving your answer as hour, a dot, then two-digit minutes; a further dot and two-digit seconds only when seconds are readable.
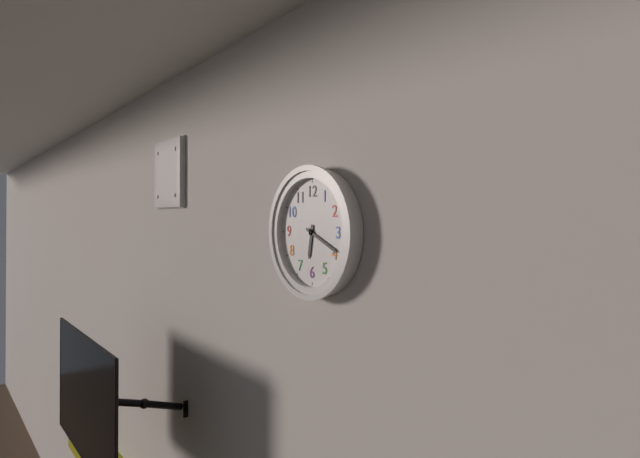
6.19
